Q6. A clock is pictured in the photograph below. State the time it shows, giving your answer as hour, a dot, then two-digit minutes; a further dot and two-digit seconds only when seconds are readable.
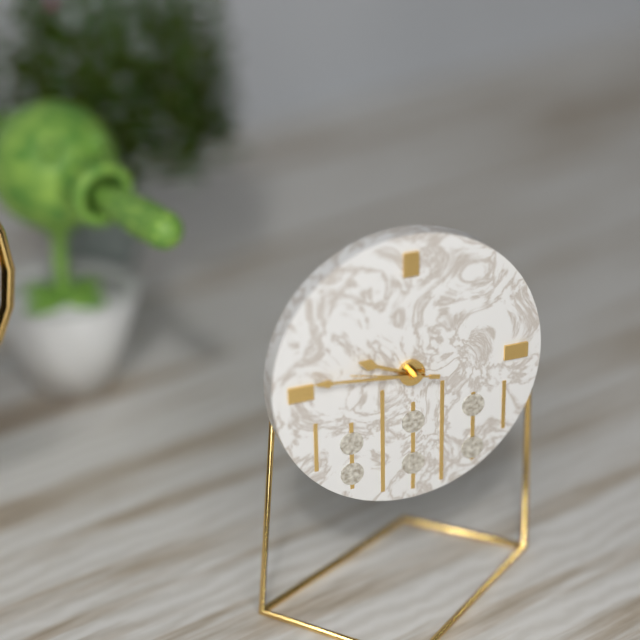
9.46.47
